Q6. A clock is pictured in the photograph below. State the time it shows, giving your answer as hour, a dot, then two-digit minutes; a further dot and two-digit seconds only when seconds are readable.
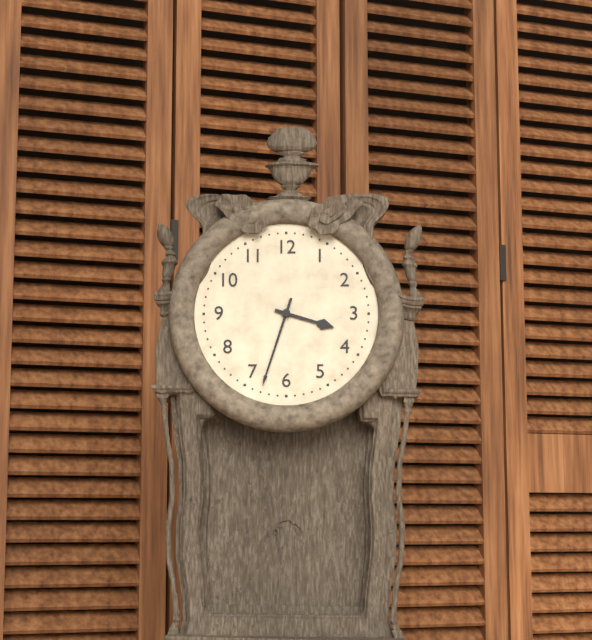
3.33
